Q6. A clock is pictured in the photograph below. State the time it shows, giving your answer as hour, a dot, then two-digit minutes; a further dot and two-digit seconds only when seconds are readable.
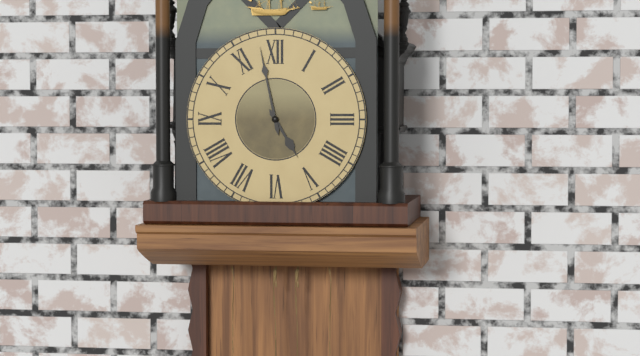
4.58
